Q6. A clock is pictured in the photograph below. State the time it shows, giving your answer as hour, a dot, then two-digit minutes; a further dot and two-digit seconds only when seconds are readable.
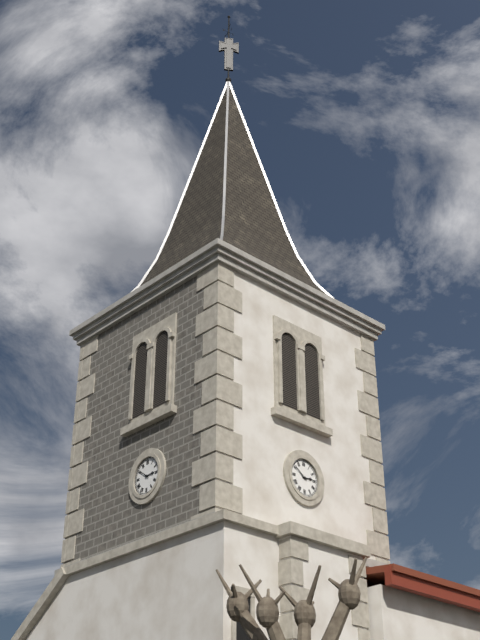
2.51
